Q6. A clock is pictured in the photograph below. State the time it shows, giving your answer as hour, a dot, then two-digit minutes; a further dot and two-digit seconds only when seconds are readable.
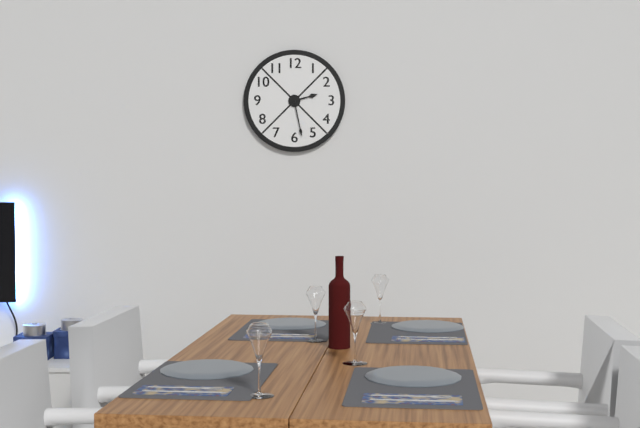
2.28
